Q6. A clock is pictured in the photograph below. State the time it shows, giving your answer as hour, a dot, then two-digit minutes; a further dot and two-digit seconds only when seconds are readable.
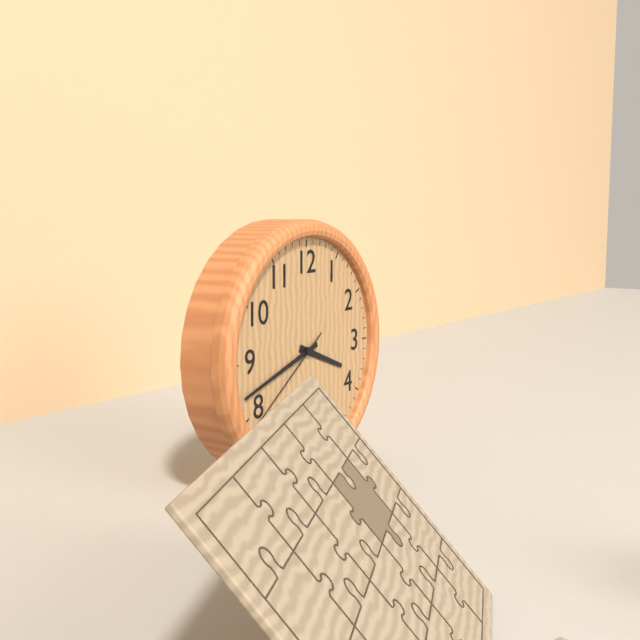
3.42.39
